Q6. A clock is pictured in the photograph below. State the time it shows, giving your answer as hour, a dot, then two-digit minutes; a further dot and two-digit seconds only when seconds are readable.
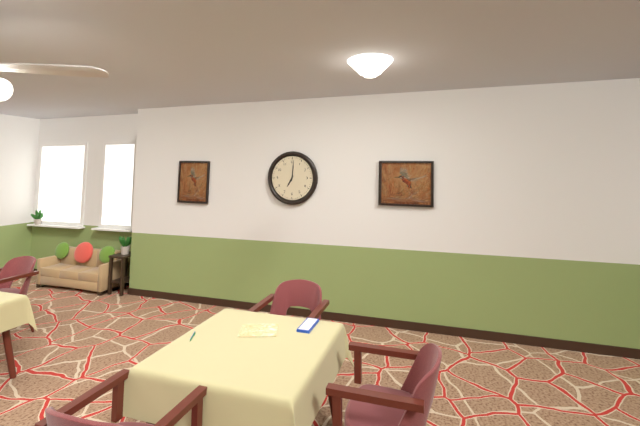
7.01
